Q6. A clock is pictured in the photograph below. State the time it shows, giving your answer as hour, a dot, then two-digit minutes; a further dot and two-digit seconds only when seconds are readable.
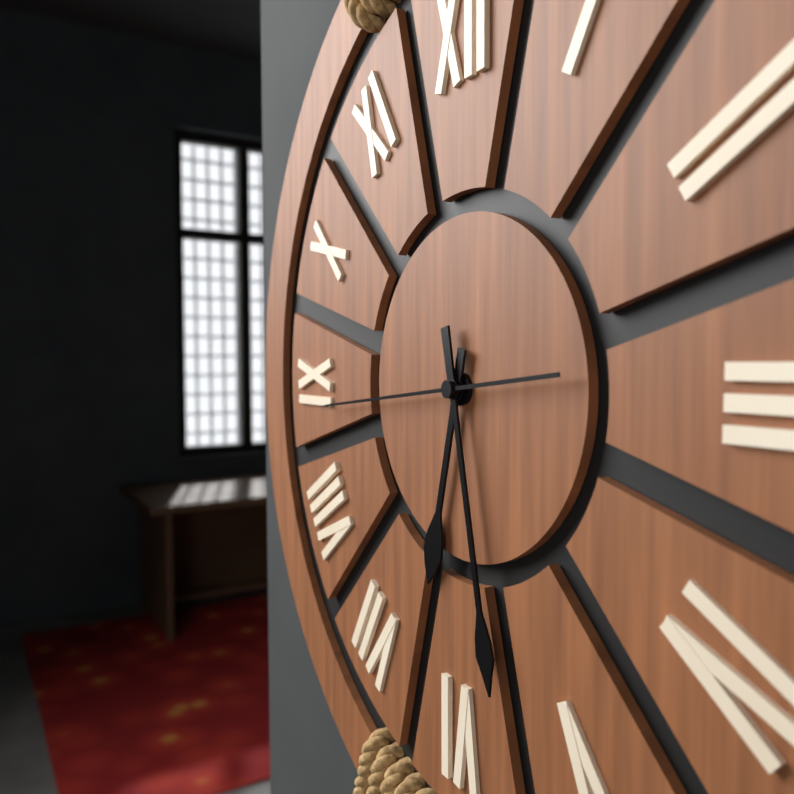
6.28.44
